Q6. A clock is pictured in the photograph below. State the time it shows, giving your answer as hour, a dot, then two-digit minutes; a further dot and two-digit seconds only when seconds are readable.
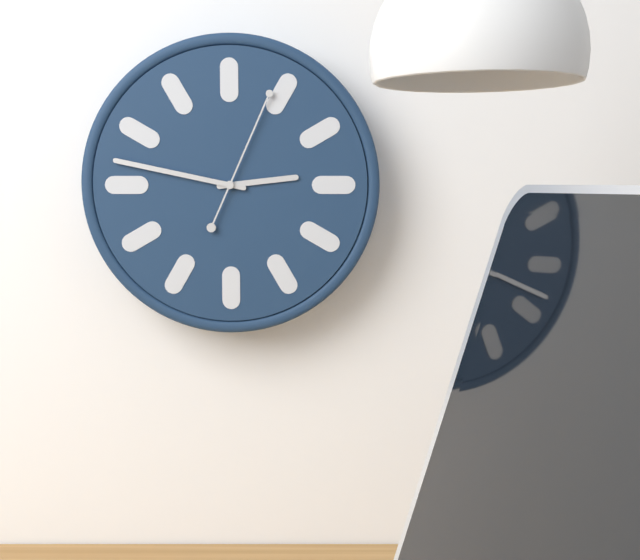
2.47.04
